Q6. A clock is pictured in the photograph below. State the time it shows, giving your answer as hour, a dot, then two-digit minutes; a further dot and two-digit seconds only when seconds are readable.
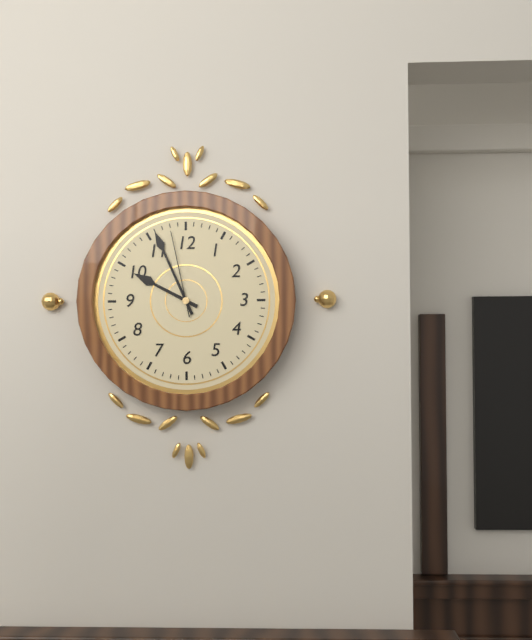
9.56.58
